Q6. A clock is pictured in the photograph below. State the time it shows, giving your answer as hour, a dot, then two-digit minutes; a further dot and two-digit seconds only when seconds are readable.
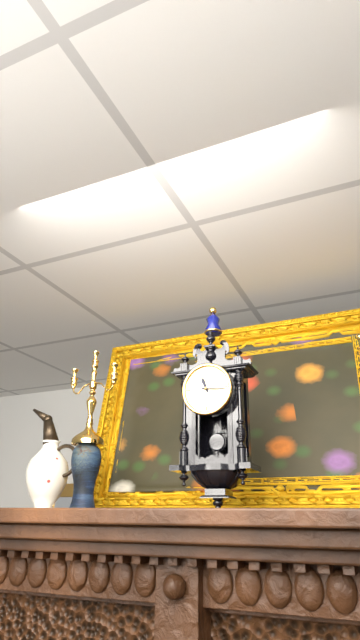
11.16
